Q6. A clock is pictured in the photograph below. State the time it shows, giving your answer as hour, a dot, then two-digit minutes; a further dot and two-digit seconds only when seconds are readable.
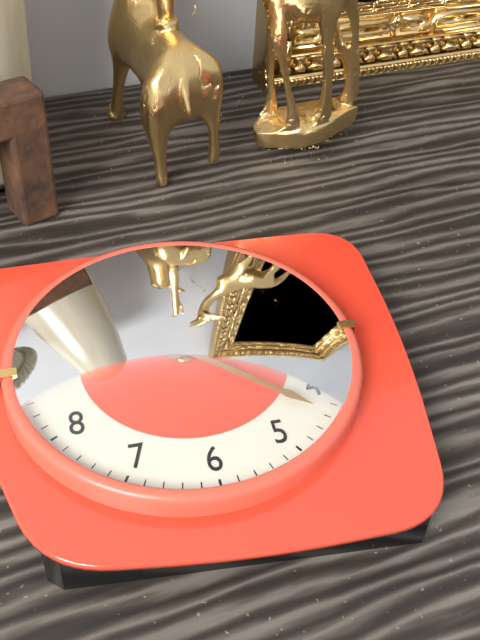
2.22.49
